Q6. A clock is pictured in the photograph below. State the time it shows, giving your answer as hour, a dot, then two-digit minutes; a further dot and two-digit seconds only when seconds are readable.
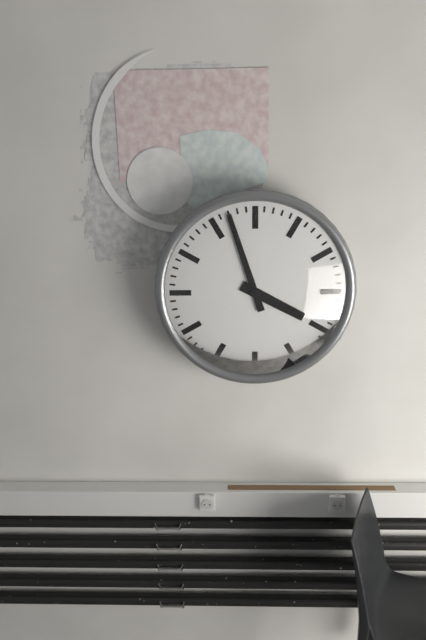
3.57
